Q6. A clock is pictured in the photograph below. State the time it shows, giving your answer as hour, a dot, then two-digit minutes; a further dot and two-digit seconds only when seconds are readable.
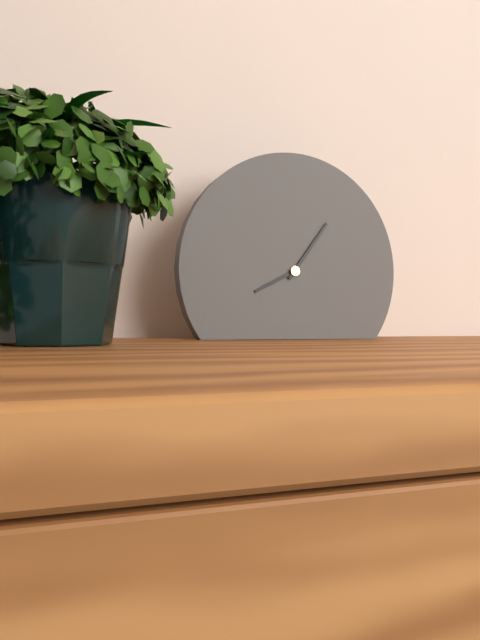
8.06
